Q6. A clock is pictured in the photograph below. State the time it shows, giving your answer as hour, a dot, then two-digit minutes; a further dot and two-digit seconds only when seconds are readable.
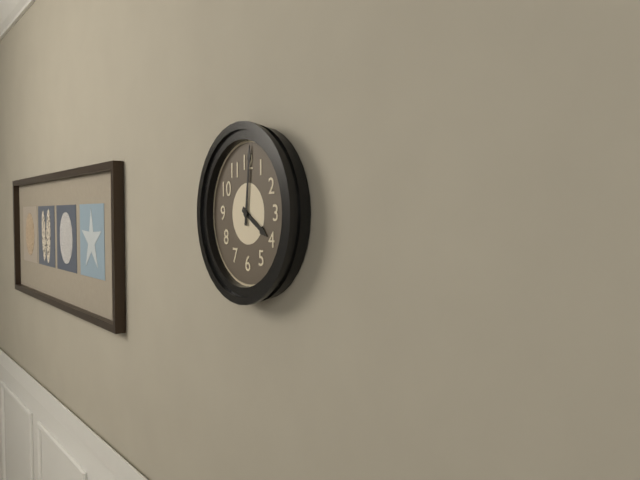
4.01
